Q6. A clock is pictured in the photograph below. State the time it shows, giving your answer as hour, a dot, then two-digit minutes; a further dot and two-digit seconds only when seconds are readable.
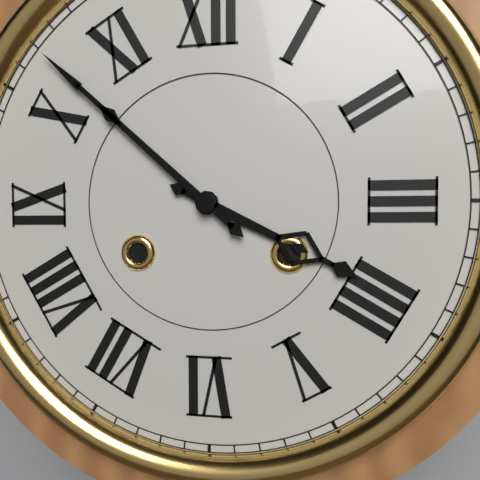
3.52
